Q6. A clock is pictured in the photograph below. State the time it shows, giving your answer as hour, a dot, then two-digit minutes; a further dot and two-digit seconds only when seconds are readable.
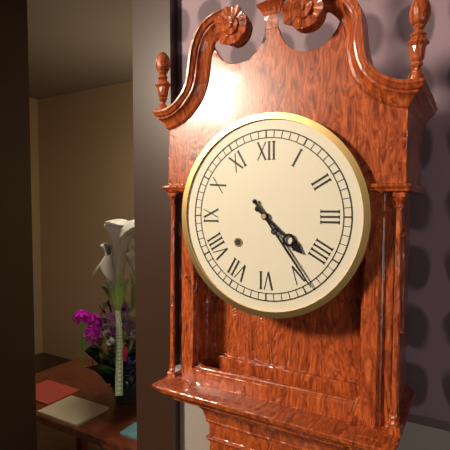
4.24
